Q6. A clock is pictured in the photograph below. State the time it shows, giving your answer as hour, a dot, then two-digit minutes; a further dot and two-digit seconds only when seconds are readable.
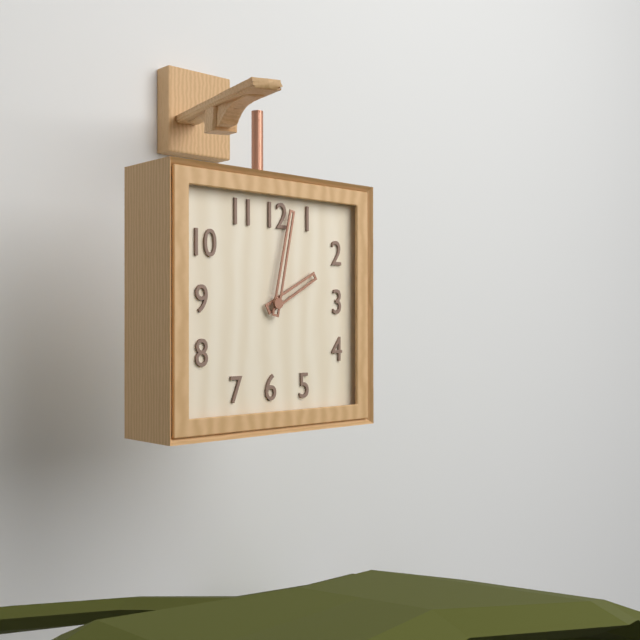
2.02
